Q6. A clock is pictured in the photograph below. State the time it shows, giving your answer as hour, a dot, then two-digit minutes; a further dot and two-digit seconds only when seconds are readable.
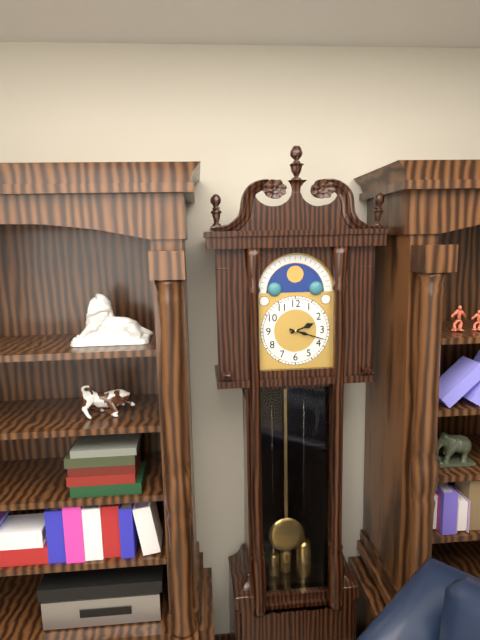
2.18
